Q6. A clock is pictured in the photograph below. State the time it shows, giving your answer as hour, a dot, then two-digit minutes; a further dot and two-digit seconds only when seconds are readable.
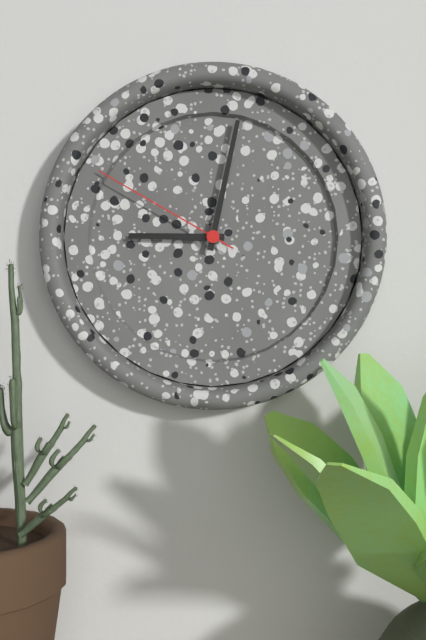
9.02.50
